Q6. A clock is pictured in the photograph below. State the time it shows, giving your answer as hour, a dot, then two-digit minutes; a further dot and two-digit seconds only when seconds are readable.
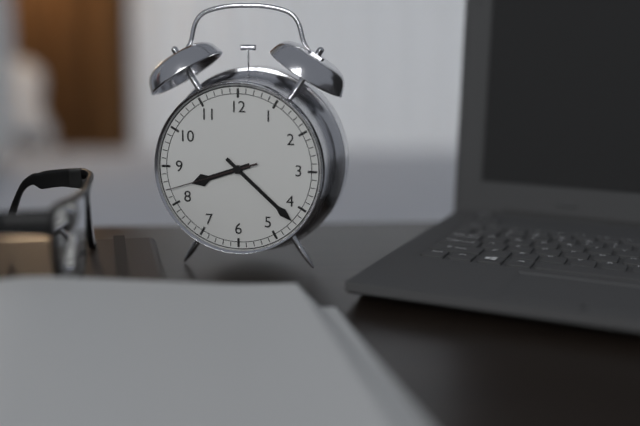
8.22.42
